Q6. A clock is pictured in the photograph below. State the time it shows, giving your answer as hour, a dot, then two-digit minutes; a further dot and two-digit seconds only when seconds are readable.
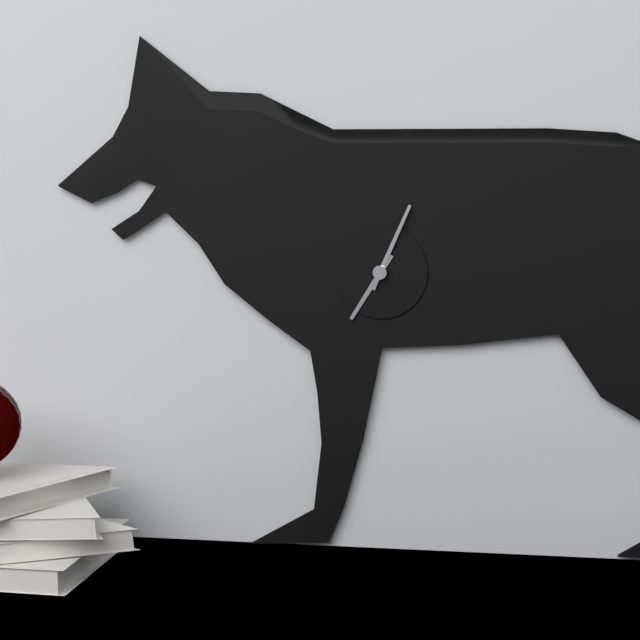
7.04
